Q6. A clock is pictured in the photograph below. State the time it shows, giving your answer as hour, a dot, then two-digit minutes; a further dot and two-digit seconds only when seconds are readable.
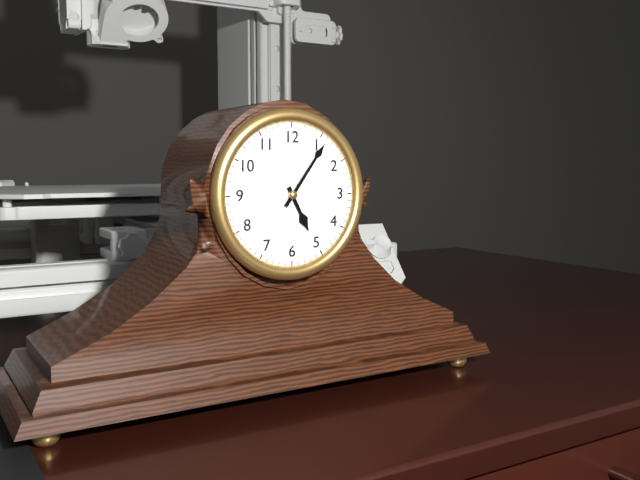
5.06
